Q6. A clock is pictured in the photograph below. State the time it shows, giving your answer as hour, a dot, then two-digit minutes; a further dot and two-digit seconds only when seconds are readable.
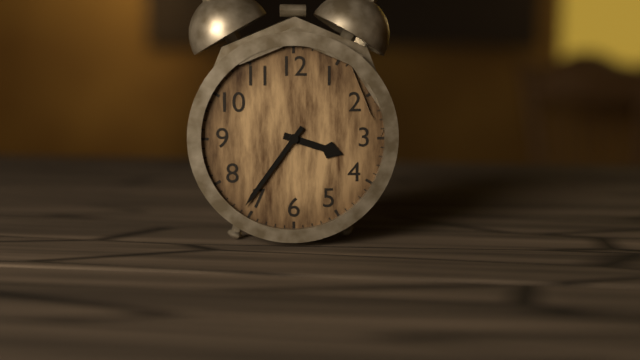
3.36
